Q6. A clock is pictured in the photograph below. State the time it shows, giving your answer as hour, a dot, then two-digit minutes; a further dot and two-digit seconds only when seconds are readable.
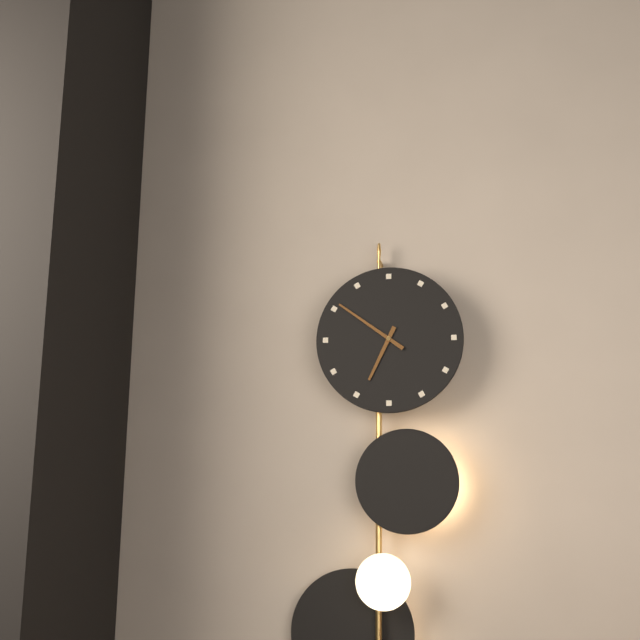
6.51
